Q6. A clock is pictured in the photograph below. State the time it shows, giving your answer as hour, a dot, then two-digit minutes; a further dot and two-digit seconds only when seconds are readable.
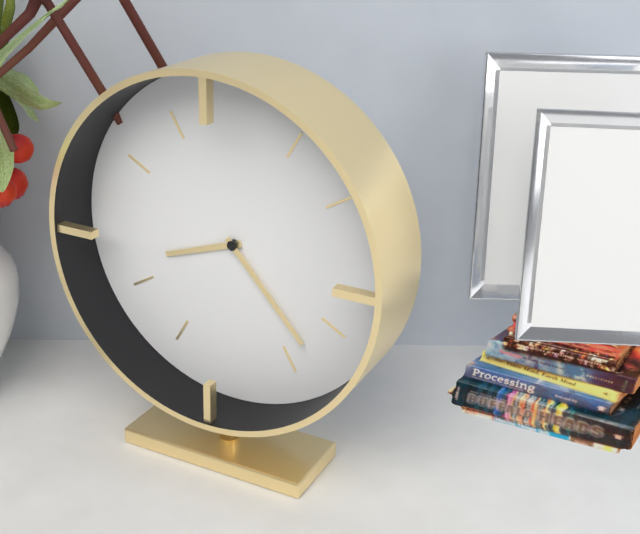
8.23
